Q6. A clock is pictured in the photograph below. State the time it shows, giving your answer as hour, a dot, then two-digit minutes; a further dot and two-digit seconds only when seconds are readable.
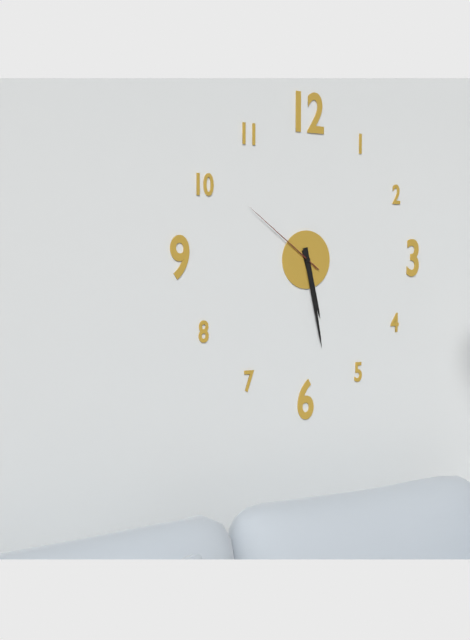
5.28.51
